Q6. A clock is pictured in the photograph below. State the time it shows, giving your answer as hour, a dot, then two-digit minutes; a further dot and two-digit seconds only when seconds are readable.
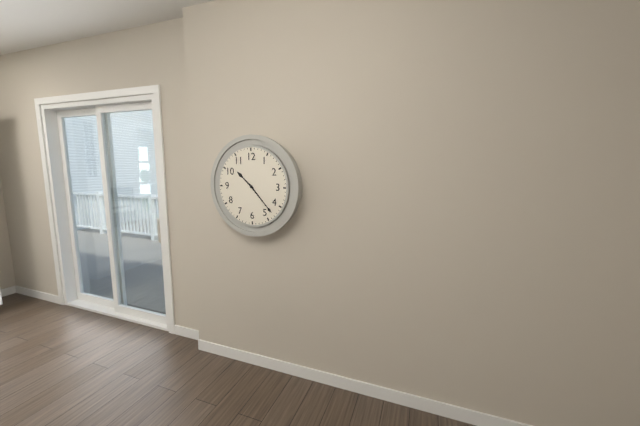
10.23
